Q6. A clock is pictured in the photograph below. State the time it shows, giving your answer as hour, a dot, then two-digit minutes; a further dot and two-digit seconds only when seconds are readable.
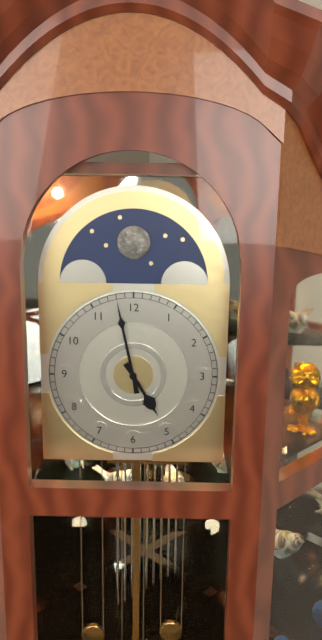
4.58
